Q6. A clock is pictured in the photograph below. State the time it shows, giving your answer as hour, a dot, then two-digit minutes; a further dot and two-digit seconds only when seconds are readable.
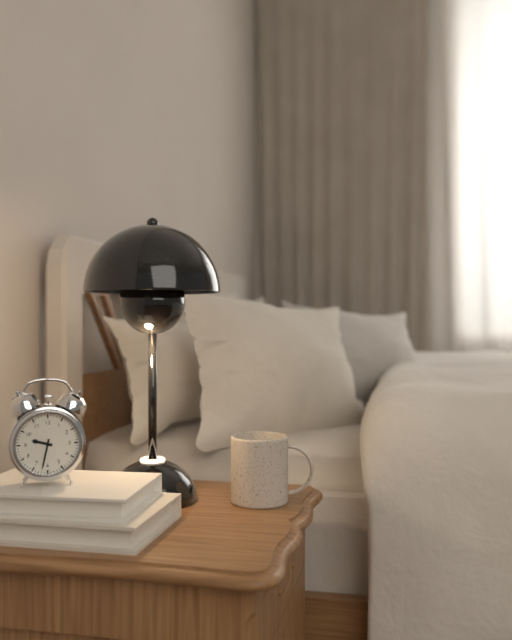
9.32
